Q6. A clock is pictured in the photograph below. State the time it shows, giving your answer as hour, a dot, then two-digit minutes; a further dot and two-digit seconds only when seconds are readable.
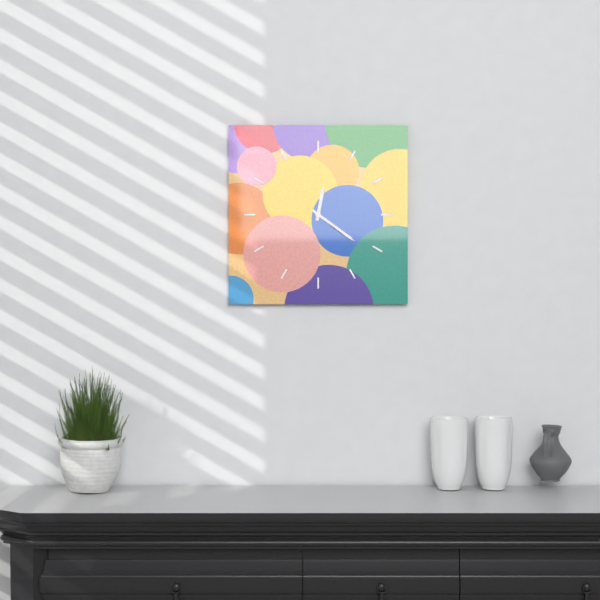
12.21
